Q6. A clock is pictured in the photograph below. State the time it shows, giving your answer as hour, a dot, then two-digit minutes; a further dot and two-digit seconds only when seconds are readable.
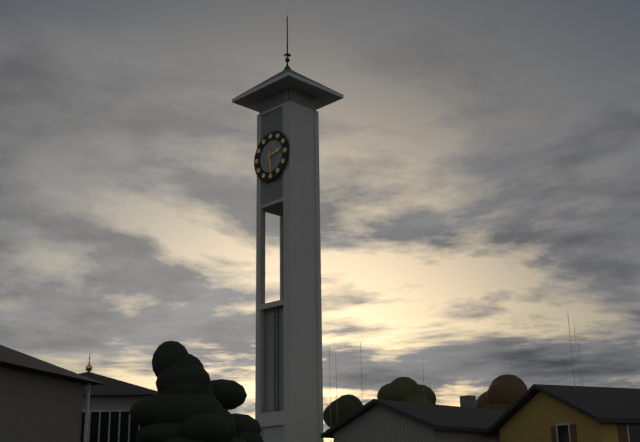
2.29
